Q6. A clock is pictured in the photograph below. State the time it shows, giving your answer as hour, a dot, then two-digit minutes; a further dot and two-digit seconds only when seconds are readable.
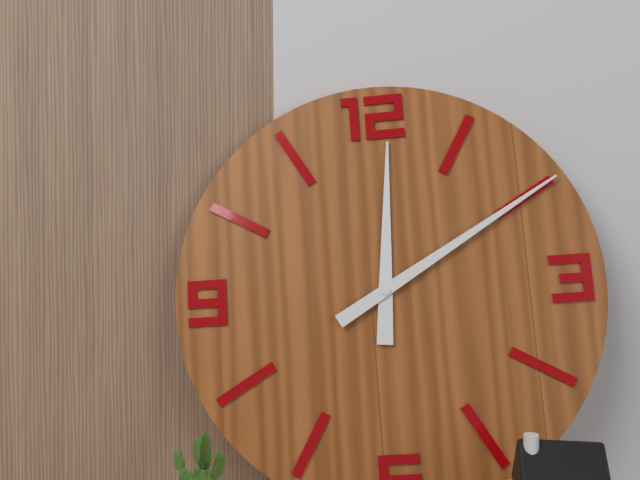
12.10
